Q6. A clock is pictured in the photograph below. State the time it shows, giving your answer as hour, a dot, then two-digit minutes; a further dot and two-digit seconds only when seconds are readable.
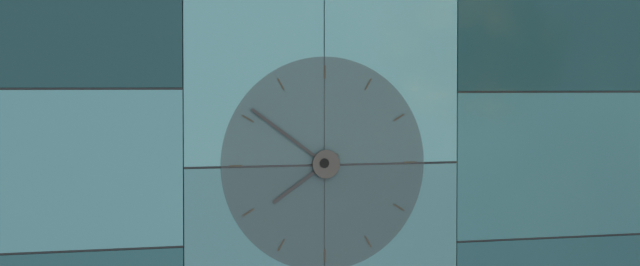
7.51
